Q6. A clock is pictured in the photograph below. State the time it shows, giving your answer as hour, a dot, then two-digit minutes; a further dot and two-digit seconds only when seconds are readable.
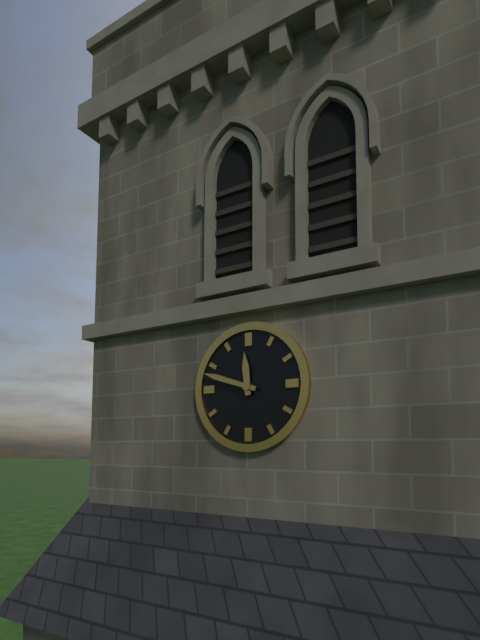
11.48
